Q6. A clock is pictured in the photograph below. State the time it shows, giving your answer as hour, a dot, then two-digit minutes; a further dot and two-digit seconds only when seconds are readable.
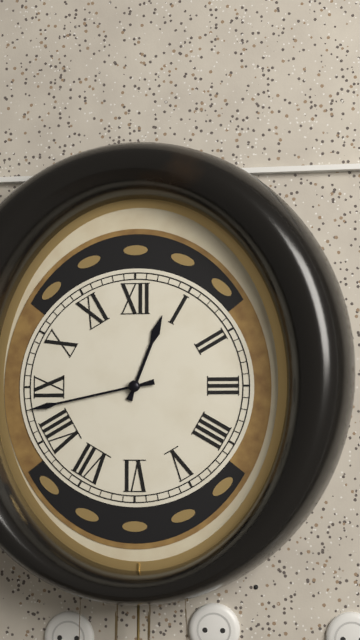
12.43
